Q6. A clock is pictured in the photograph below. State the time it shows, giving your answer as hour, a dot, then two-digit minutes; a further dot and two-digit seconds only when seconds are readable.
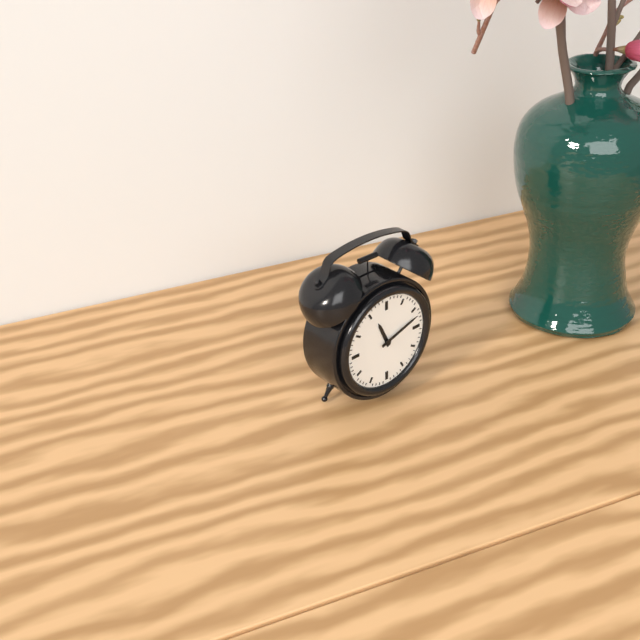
11.12
